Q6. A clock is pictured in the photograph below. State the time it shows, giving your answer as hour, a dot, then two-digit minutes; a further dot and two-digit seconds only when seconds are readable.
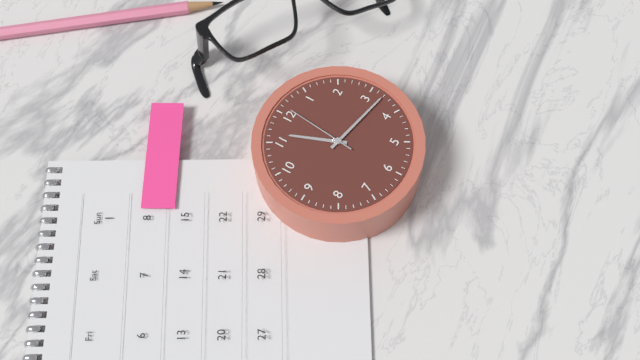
11.17.01
